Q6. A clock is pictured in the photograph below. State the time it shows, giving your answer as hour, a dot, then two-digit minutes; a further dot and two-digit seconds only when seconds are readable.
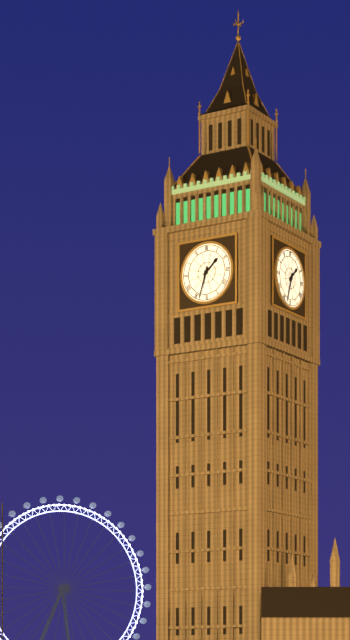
1.33
